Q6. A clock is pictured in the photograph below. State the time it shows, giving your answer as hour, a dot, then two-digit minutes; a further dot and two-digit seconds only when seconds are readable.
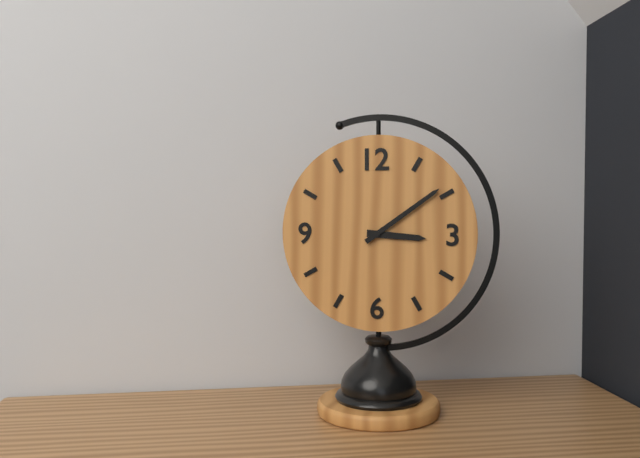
3.09
